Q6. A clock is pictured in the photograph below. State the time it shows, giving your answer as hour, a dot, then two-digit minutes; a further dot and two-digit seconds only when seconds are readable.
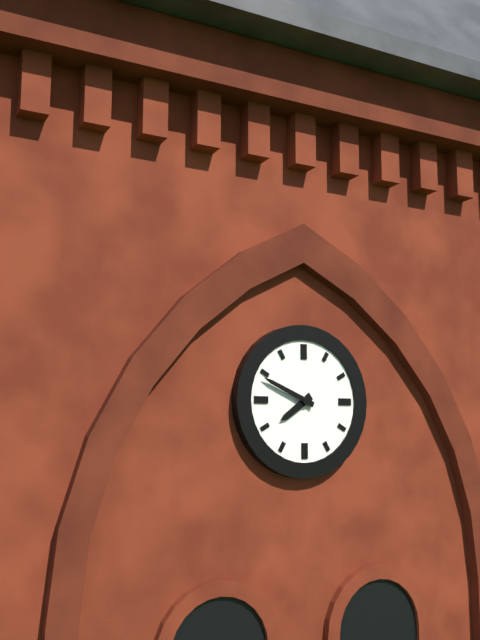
7.49
